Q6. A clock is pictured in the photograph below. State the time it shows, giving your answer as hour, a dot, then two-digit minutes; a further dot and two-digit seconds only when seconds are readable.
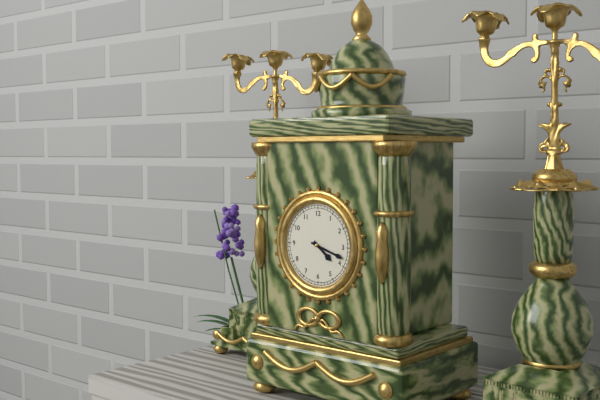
4.18
